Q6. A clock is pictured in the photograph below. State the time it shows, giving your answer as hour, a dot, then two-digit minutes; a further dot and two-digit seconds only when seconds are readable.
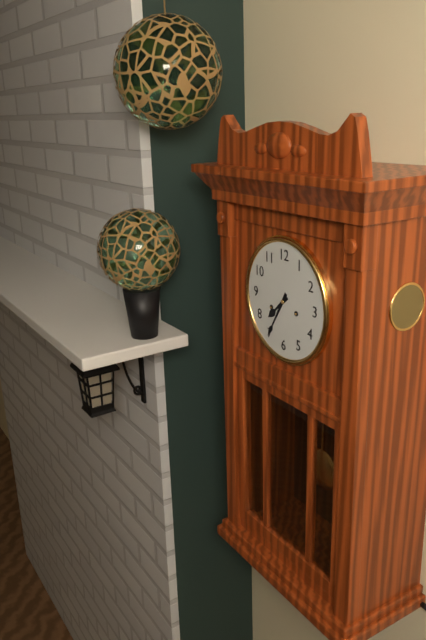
7.35
